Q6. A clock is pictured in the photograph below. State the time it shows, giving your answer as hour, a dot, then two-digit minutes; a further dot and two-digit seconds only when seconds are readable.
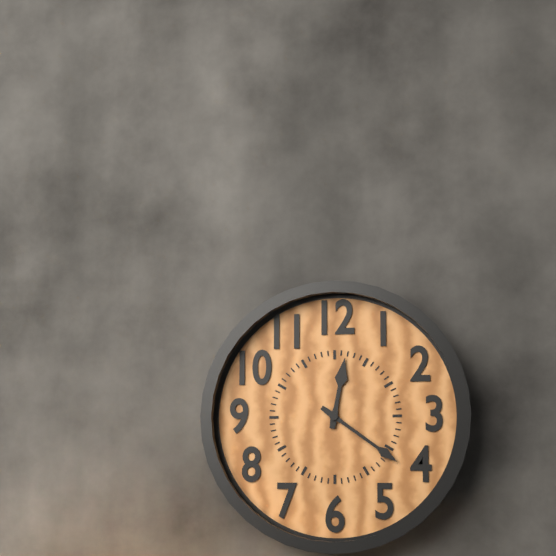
12.21
